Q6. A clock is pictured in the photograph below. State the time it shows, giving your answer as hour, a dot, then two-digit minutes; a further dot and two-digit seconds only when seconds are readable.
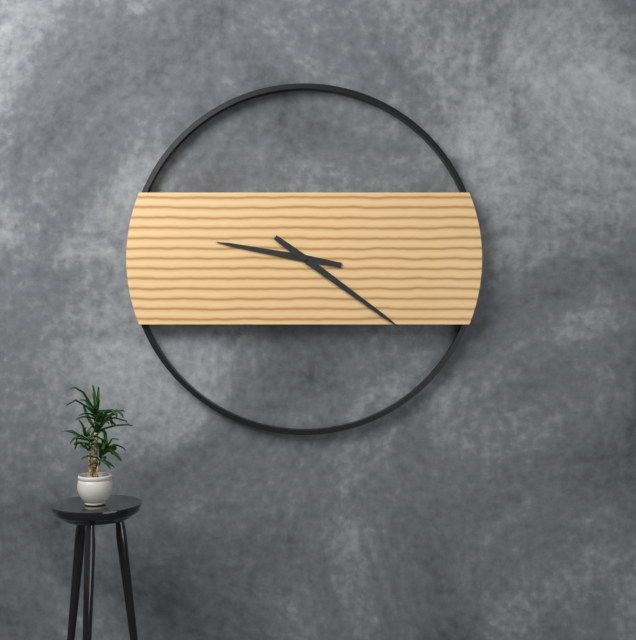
9.21
